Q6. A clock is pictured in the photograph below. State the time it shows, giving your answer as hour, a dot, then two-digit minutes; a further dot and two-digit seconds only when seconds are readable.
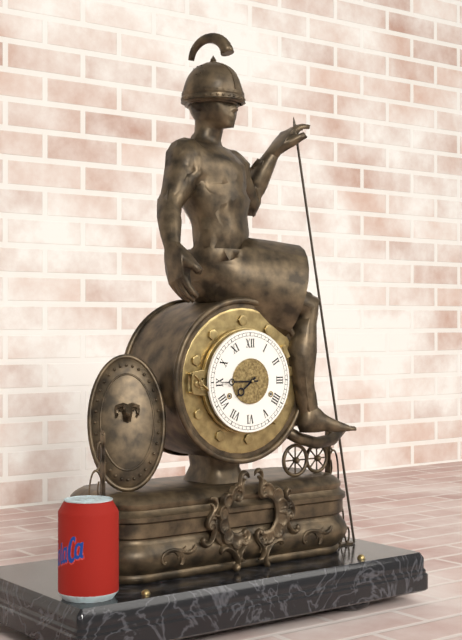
7.45
